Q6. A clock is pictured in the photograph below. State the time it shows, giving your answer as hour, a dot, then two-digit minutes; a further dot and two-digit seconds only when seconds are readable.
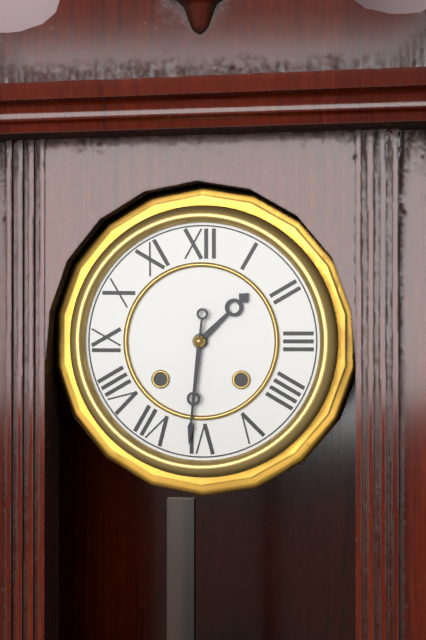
1.31
